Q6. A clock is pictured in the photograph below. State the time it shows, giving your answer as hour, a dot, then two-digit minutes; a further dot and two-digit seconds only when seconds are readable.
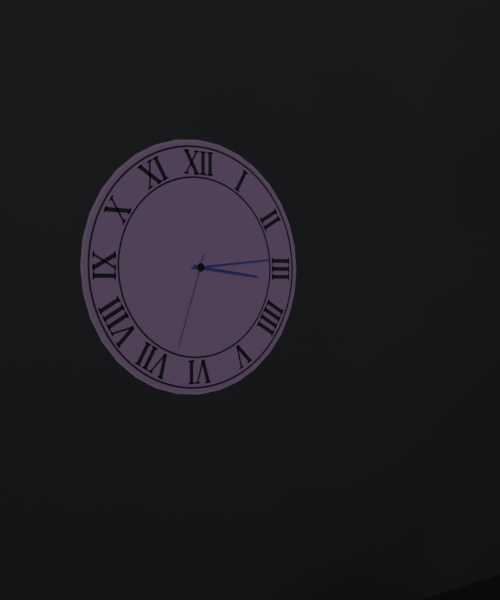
3.14.33
